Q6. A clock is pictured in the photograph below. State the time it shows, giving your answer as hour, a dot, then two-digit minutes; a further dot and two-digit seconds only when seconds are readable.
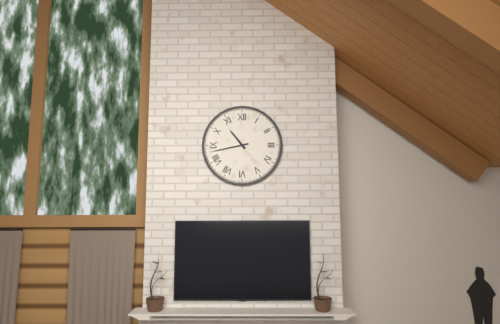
10.43
